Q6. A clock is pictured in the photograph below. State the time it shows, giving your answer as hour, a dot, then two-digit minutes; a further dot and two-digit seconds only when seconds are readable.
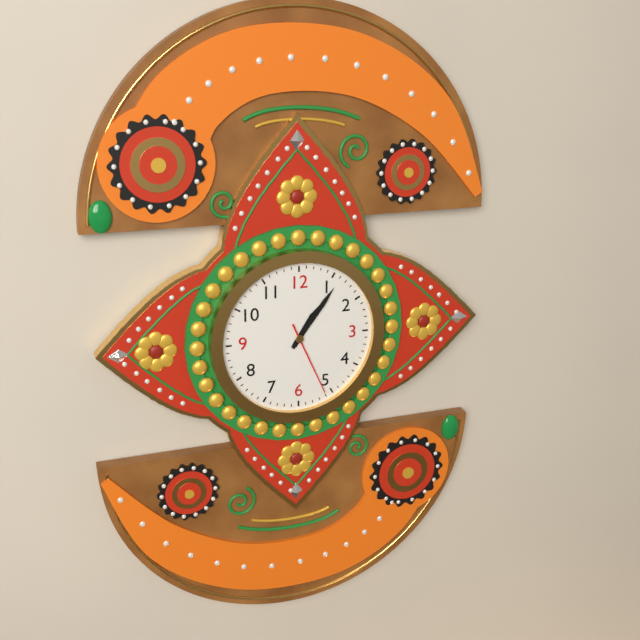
1.06.26
